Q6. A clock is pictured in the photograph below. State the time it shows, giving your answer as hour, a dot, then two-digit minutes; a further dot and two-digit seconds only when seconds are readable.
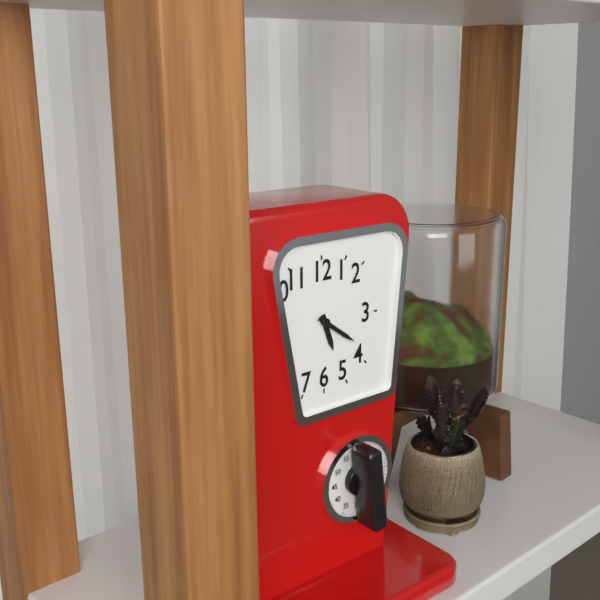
5.21
